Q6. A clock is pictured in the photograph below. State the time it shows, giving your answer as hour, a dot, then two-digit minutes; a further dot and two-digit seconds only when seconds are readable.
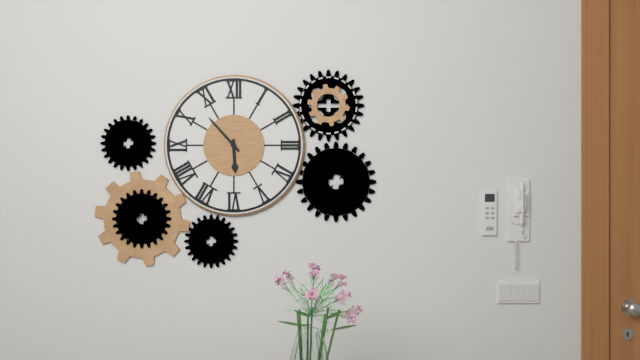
5.53
